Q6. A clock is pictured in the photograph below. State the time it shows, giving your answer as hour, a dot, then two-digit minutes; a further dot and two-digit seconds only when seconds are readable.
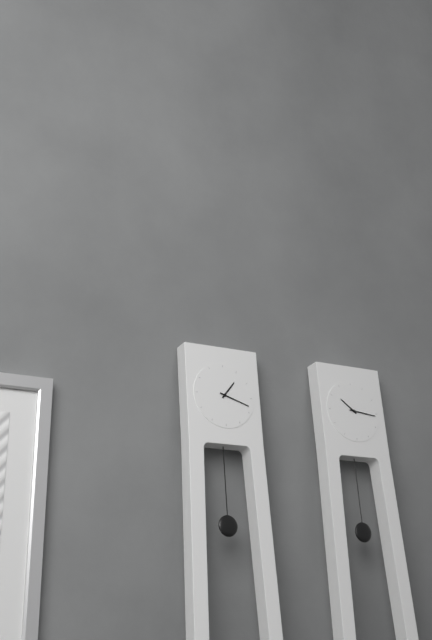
1.18
